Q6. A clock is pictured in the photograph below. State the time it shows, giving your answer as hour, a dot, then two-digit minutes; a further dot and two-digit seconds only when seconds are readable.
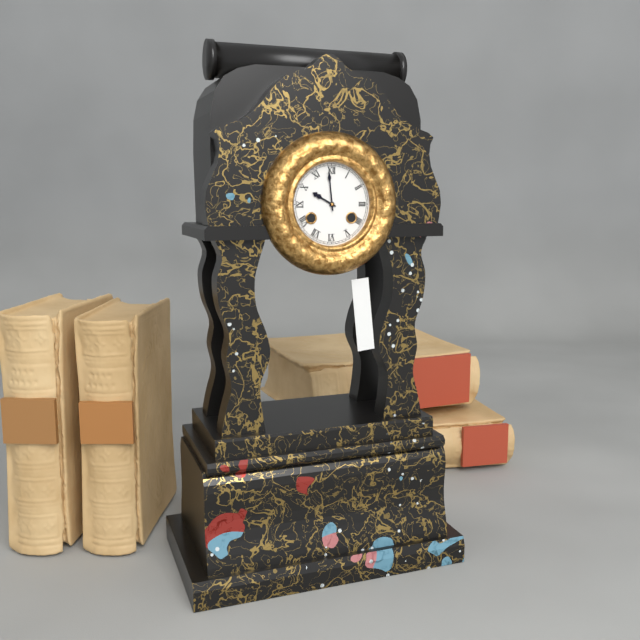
9.59
